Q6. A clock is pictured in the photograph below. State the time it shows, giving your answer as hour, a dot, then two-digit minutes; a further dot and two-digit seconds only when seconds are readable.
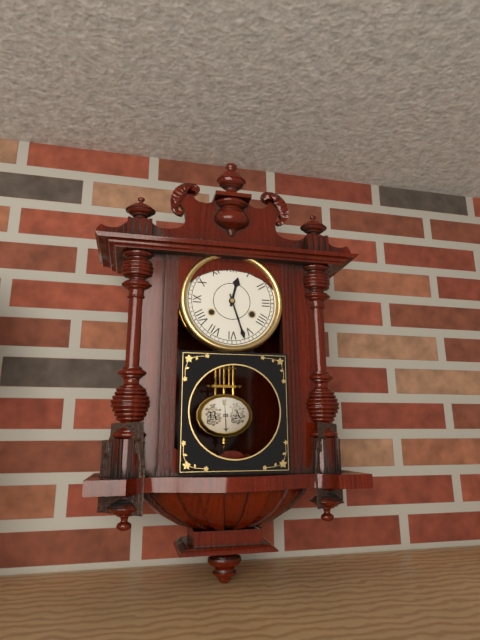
12.27
